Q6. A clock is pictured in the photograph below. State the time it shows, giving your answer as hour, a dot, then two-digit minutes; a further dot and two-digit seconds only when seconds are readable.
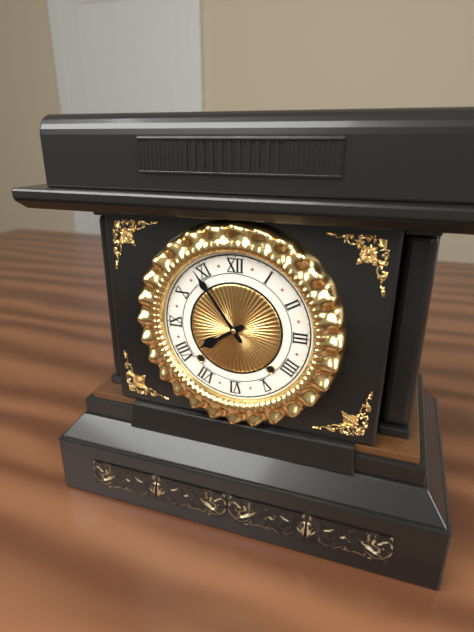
7.54
